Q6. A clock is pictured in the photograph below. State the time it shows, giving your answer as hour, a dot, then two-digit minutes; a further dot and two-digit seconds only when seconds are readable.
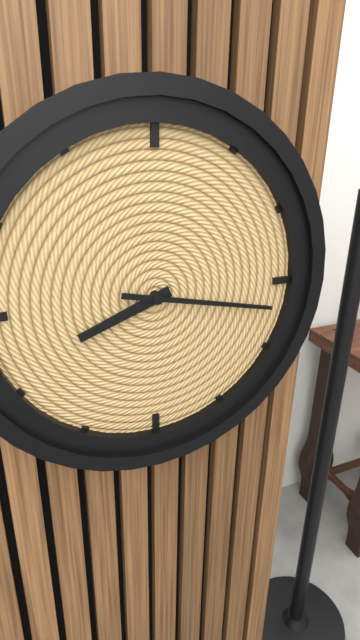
8.17
